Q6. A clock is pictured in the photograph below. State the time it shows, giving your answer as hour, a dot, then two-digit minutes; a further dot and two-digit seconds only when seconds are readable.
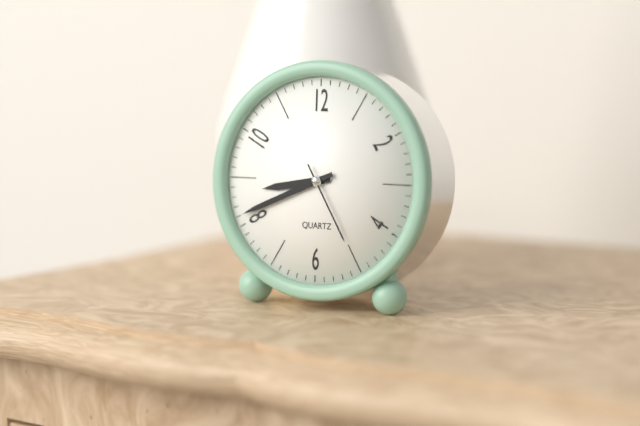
8.41.25
